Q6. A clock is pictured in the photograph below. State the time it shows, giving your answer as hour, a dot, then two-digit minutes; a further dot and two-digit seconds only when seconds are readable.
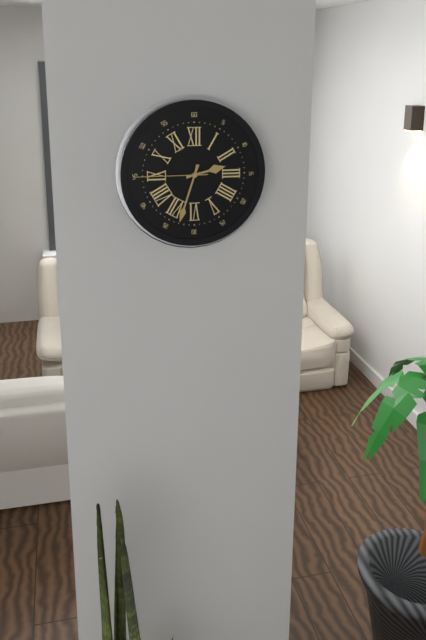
2.33.45
